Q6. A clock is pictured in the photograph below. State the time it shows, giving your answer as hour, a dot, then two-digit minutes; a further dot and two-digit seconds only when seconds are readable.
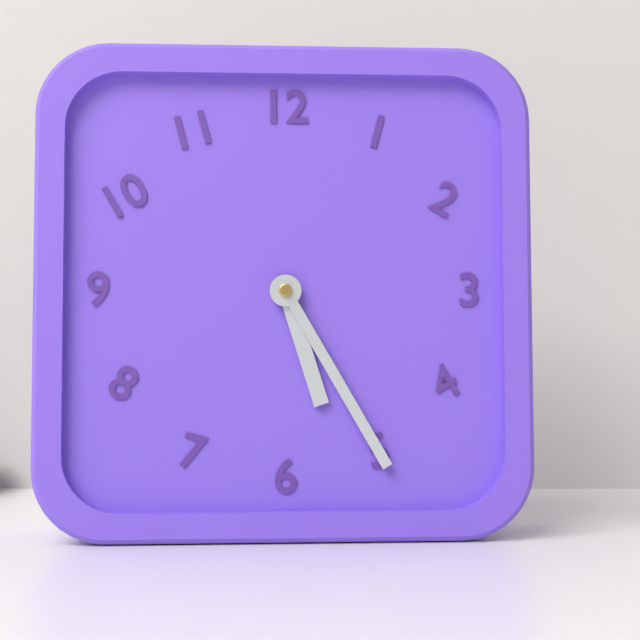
5.25
